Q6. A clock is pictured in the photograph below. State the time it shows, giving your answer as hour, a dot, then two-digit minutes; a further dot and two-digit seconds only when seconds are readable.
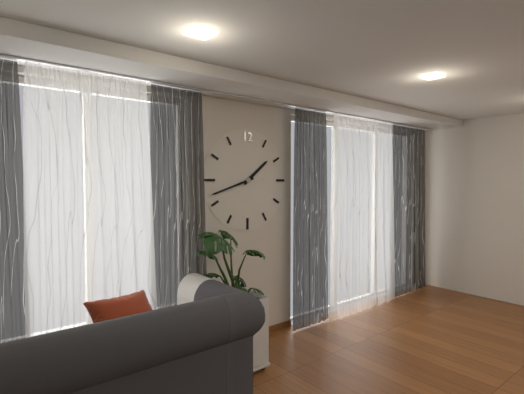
1.42
